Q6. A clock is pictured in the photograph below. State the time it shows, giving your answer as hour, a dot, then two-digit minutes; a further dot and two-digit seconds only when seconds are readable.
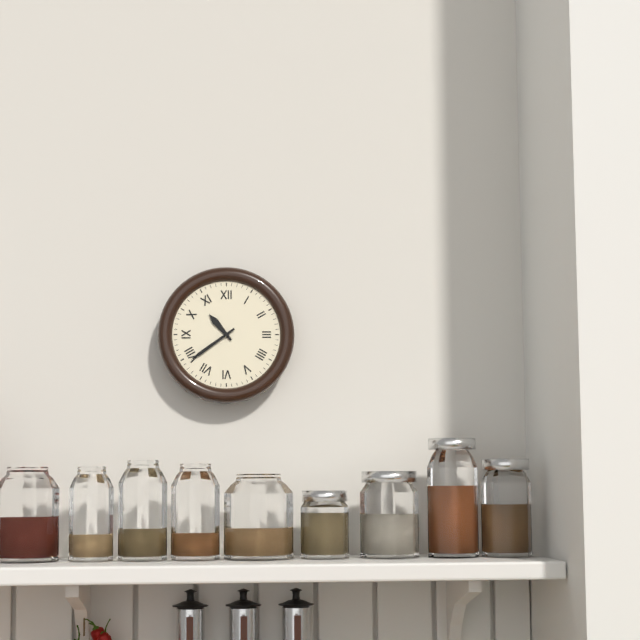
10.39
